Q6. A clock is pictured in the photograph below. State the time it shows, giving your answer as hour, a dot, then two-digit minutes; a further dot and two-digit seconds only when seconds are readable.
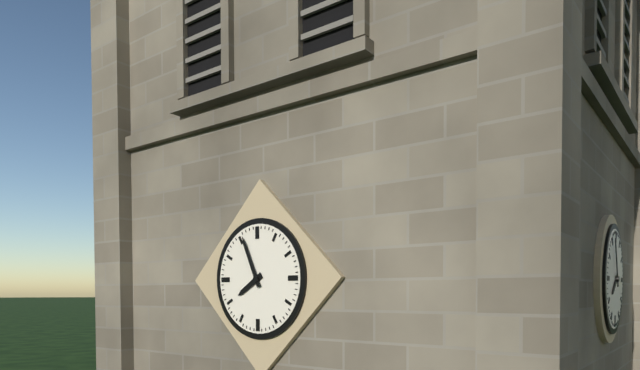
7.56
